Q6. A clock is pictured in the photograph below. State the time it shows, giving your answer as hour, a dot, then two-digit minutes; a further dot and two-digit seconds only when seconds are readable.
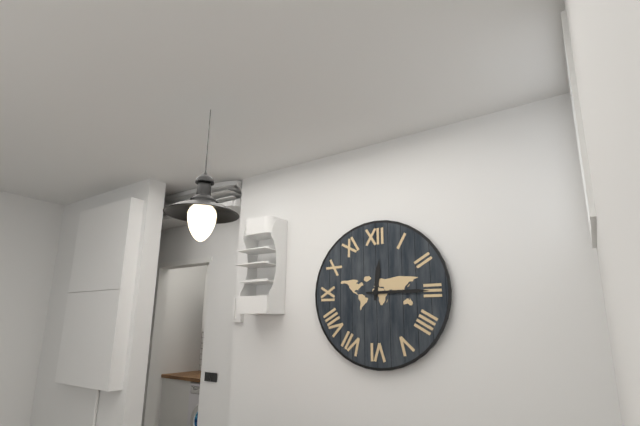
12.15
